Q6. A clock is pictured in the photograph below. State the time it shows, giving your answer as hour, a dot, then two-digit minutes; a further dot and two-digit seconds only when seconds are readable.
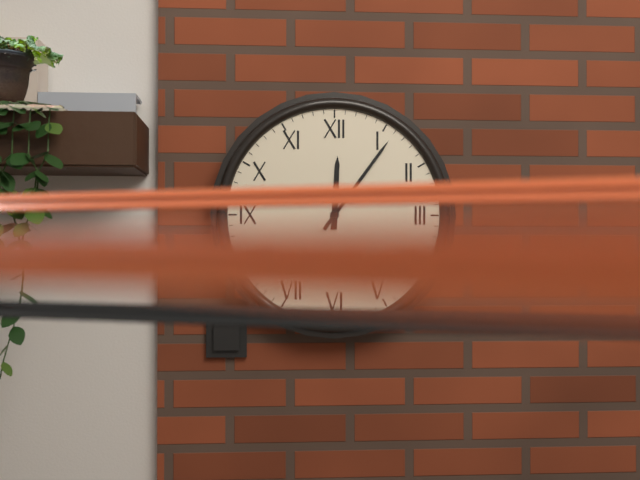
12.06
